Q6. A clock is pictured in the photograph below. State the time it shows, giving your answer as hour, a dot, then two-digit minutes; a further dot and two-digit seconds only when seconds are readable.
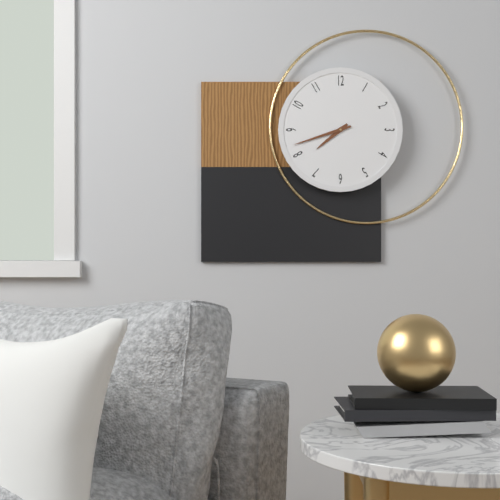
7.42
